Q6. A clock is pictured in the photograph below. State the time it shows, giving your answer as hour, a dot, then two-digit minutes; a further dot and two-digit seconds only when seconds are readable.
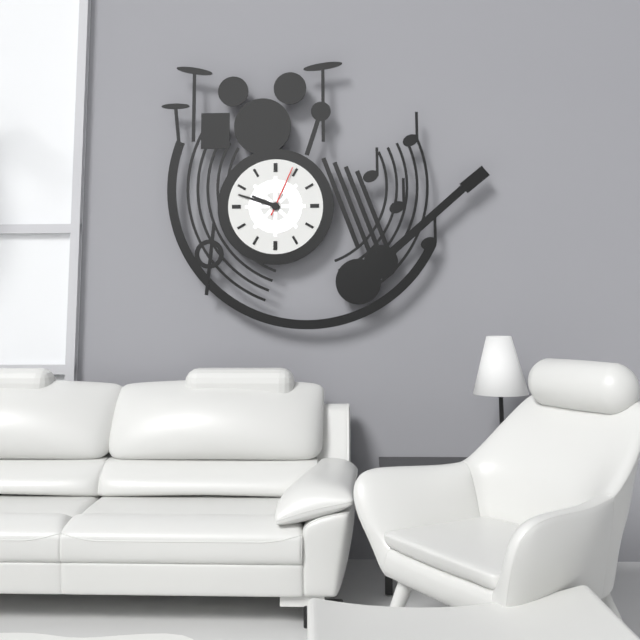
9.48.04
